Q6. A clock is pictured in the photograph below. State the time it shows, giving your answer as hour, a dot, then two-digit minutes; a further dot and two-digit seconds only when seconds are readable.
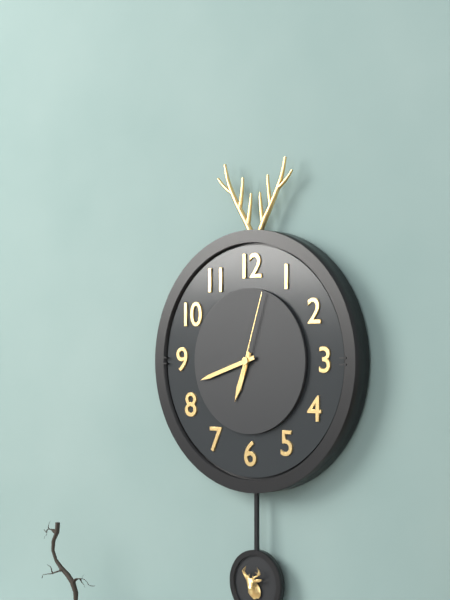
6.42.03
